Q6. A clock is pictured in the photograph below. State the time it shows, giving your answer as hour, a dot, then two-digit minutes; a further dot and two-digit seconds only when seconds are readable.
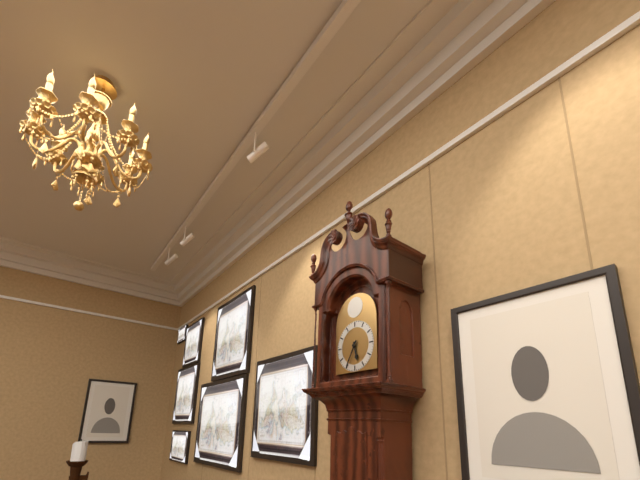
5.35
